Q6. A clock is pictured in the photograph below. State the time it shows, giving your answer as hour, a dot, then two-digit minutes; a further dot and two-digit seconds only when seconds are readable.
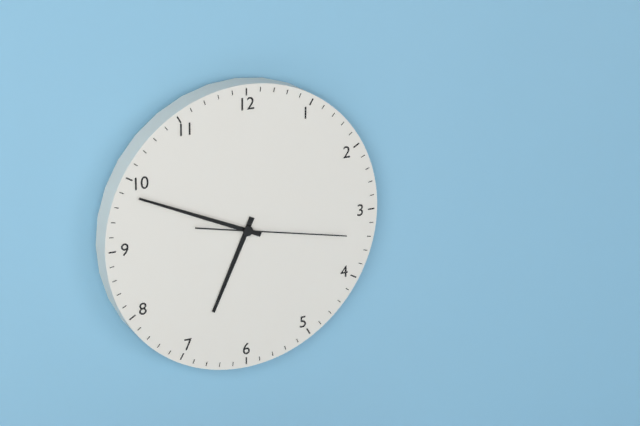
6.49.17
